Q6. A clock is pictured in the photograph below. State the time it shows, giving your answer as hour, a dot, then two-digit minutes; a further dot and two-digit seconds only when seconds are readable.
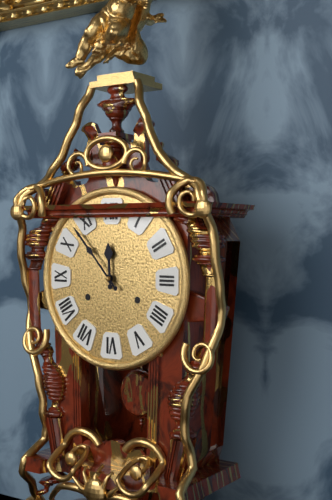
11.53
